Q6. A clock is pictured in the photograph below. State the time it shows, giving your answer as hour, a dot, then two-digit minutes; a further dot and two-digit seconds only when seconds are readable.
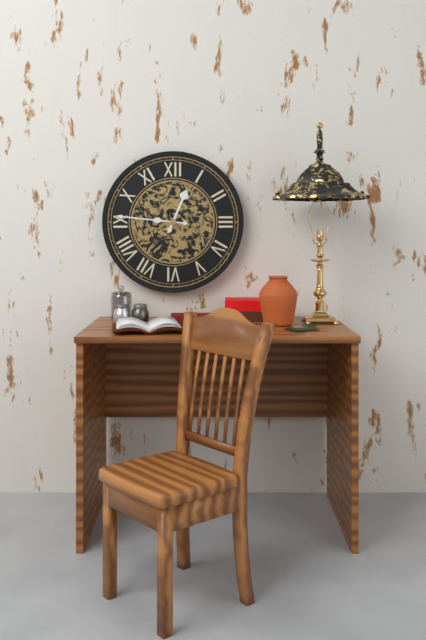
12.46
